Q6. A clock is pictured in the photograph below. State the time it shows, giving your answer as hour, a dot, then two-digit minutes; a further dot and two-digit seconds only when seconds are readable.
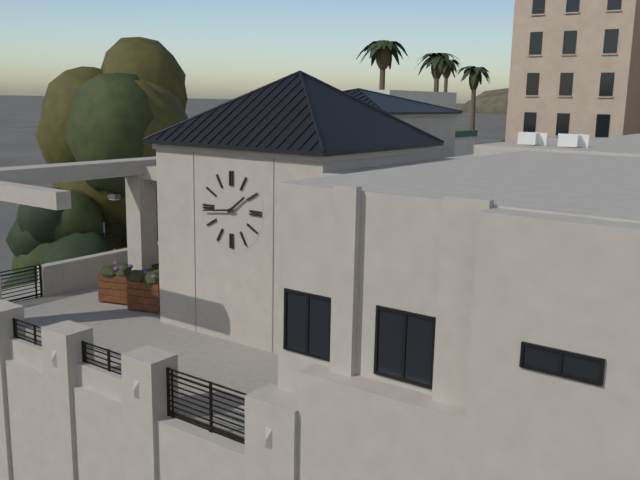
1.44
